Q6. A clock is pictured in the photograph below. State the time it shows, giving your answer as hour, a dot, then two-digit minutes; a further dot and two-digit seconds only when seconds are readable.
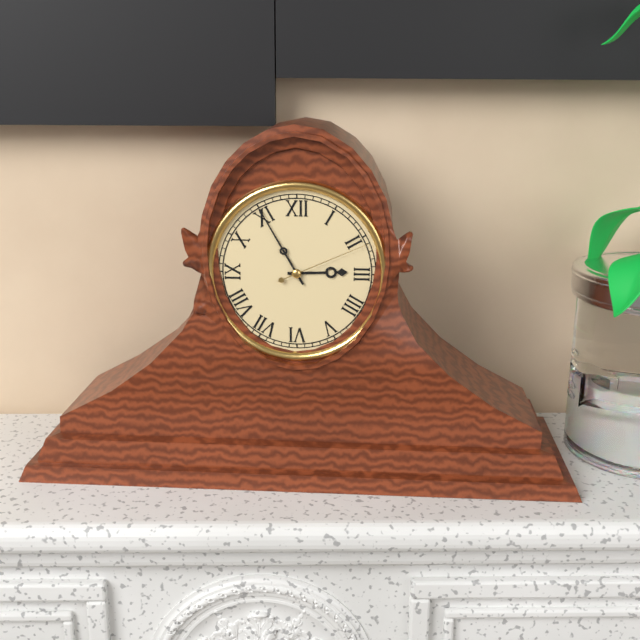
2.55.11
